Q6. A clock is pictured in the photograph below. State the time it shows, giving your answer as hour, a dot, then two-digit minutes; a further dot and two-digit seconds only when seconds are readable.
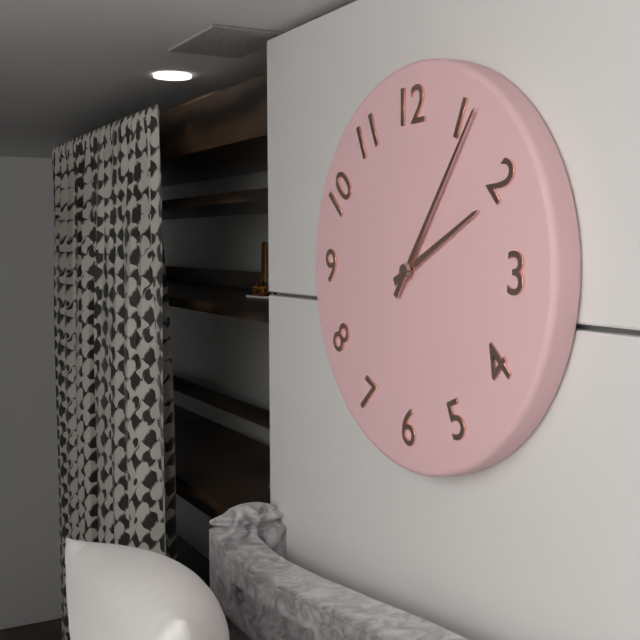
2.06
